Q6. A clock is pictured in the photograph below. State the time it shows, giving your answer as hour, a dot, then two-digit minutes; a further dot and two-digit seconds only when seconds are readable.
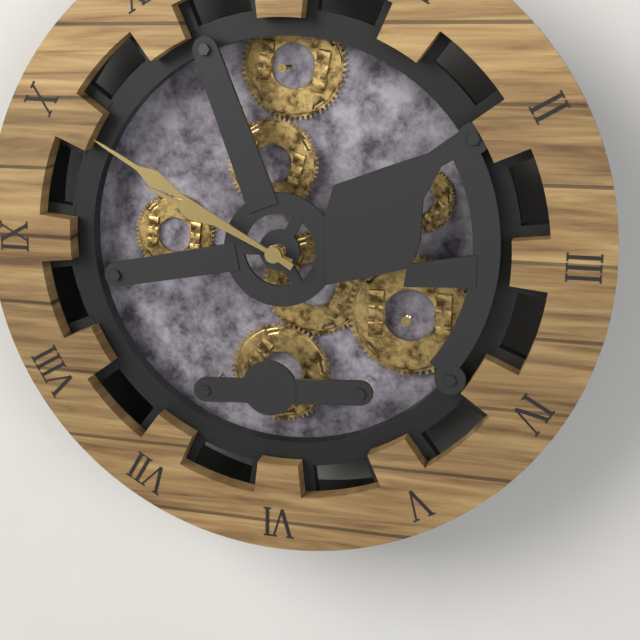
9.50
